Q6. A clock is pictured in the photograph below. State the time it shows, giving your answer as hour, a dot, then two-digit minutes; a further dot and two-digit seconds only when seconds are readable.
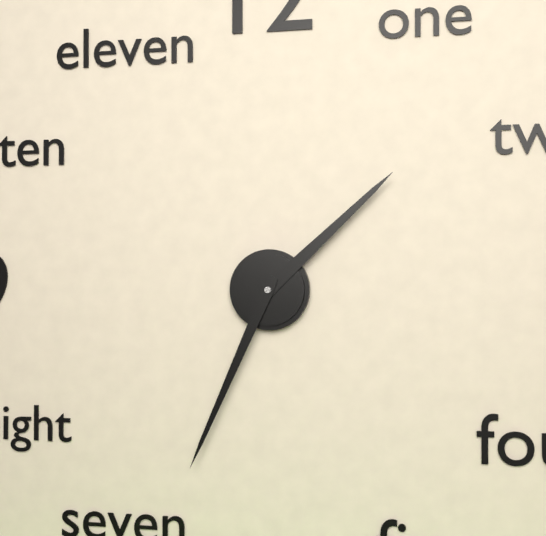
1.34
